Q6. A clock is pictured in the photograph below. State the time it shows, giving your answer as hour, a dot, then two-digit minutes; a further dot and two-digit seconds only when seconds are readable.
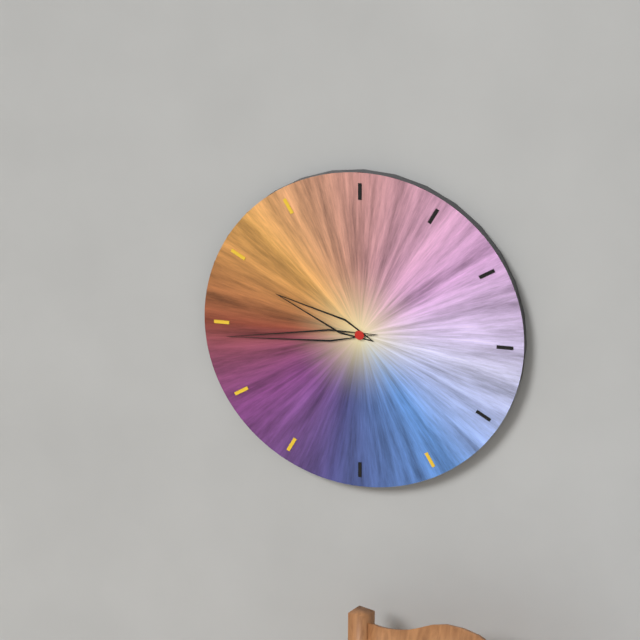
9.44
